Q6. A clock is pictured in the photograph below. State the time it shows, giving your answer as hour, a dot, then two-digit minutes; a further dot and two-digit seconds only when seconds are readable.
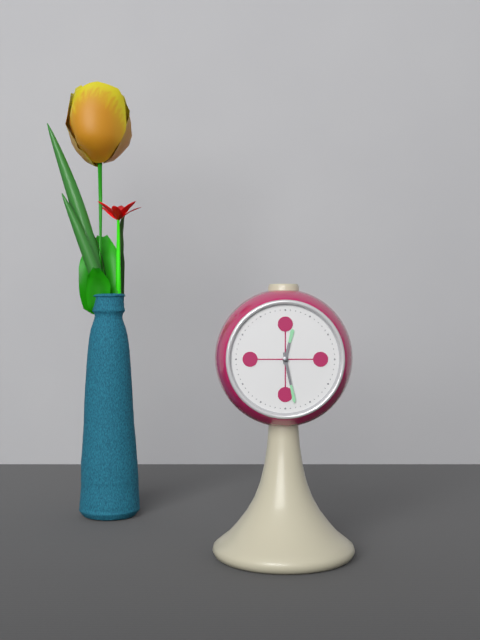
12.28
